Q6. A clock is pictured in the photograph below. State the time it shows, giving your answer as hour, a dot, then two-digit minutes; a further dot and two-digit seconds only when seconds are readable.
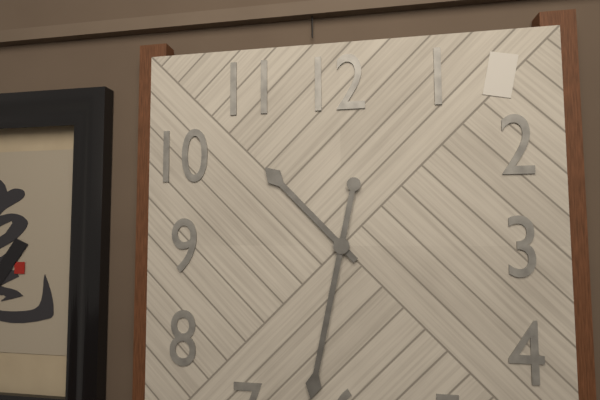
10.32
